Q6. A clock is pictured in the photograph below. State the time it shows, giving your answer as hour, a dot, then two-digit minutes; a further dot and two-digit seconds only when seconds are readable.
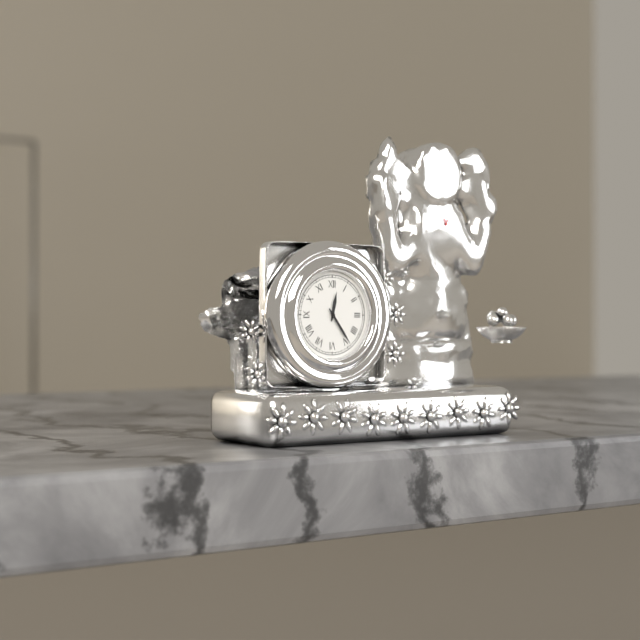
12.24
